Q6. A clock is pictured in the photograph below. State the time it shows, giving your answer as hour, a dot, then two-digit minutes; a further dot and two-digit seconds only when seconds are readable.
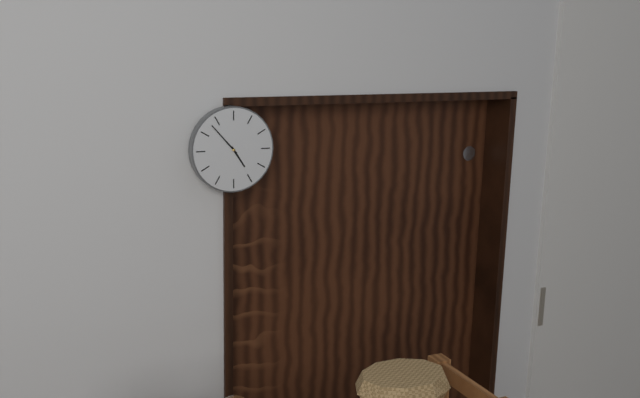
4.53
